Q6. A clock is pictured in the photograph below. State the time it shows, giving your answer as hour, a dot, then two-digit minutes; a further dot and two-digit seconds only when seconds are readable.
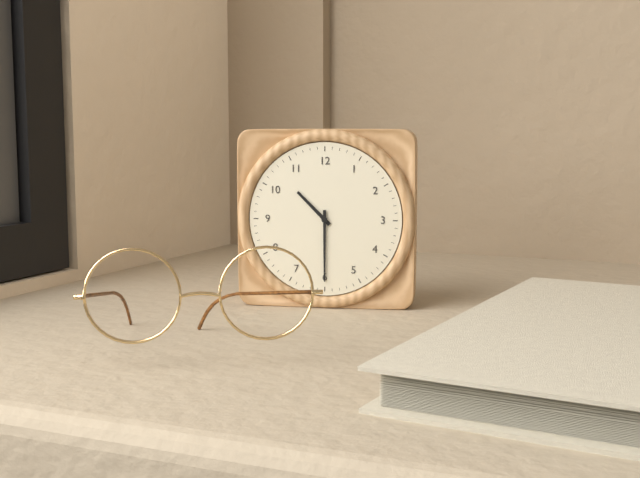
10.30
